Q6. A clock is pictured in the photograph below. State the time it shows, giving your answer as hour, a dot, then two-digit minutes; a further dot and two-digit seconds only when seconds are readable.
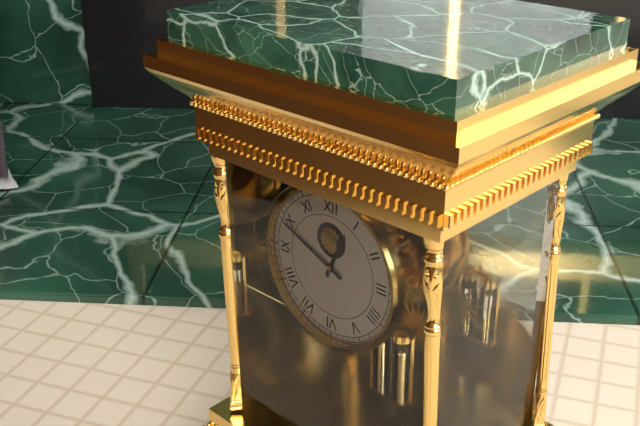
12.49
